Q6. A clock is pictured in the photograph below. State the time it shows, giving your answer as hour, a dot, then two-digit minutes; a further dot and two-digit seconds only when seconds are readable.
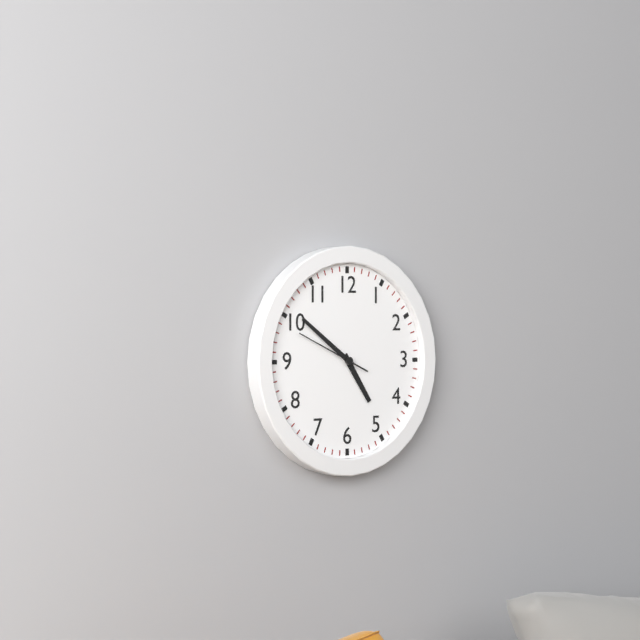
4.51.49
